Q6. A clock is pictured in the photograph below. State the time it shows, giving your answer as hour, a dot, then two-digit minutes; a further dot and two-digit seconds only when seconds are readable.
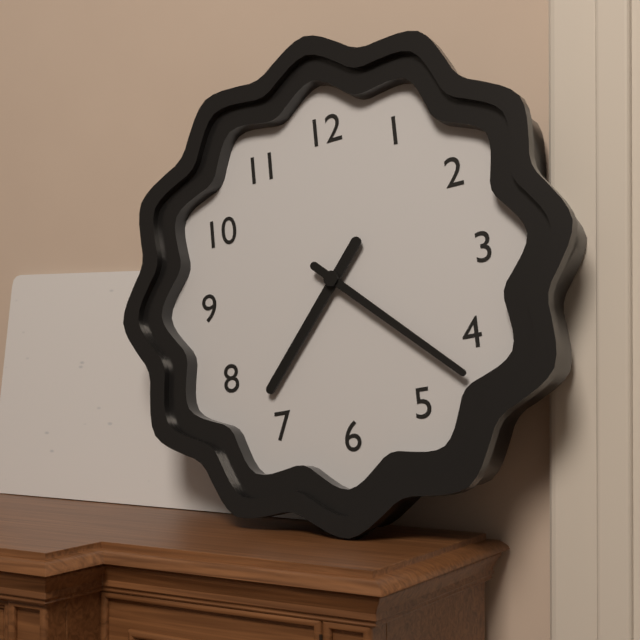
7.22
